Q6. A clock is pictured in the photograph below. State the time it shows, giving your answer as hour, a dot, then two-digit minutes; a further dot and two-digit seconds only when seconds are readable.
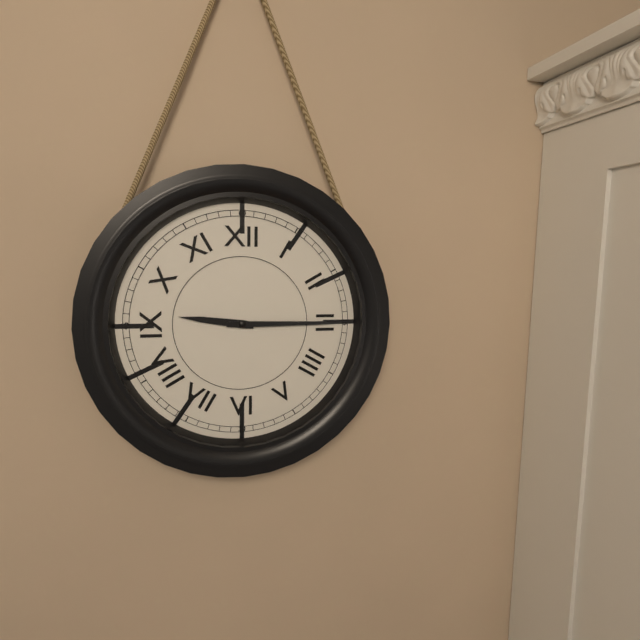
9.15
